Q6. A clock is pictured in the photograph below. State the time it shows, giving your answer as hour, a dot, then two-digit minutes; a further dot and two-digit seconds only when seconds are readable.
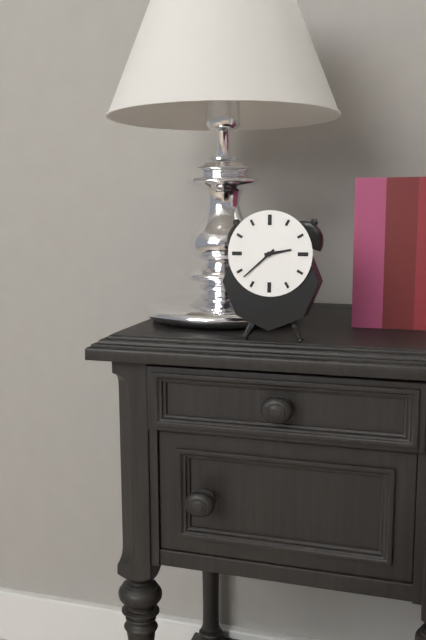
2.38
